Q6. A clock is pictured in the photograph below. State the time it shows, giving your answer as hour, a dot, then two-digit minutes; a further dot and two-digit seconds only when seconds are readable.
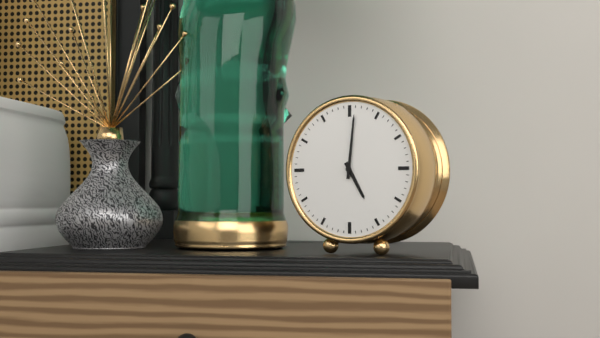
5.01
